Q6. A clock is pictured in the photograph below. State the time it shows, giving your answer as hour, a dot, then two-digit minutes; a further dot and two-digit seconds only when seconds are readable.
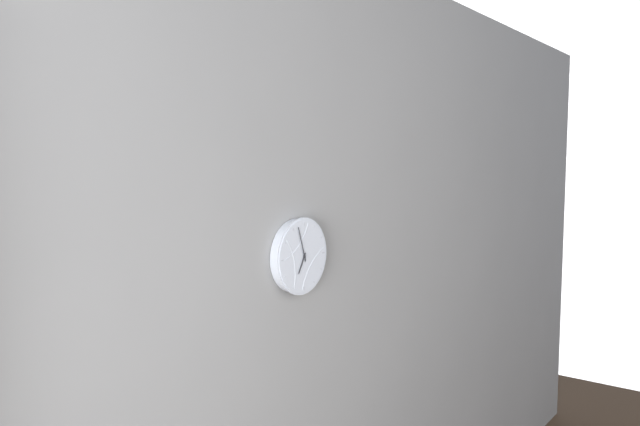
6.57
